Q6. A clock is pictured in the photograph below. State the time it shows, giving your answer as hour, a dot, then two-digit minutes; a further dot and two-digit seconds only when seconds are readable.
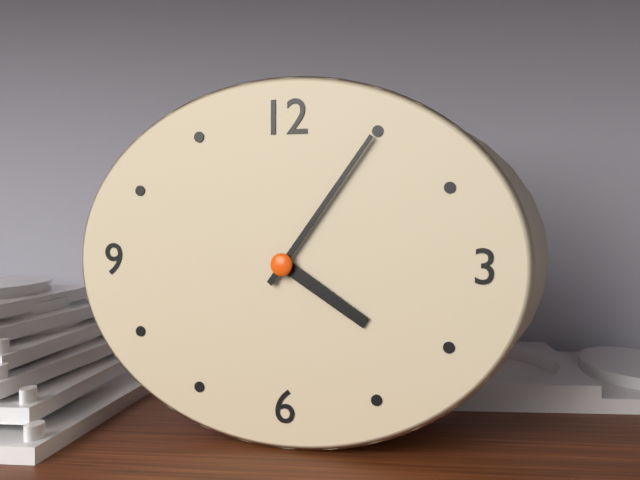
4.06
